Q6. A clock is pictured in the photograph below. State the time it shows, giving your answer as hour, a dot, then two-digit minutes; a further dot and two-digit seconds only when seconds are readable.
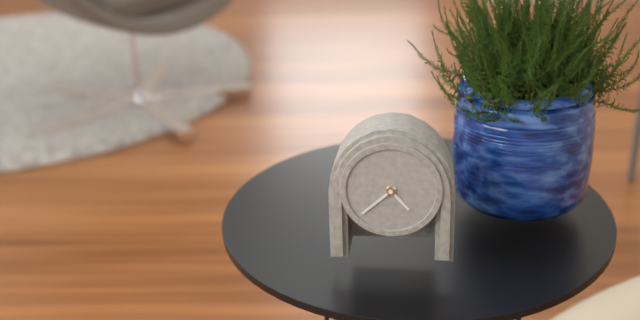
4.38
